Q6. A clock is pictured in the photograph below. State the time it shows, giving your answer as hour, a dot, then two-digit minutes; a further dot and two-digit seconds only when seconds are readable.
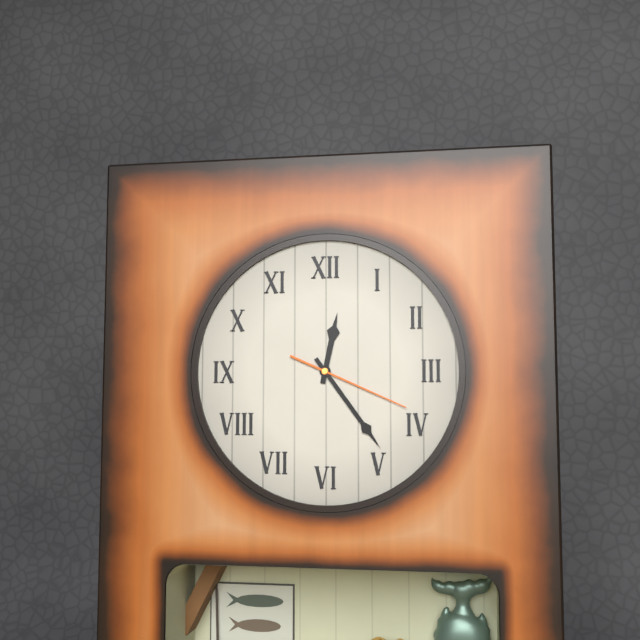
12.24.19
